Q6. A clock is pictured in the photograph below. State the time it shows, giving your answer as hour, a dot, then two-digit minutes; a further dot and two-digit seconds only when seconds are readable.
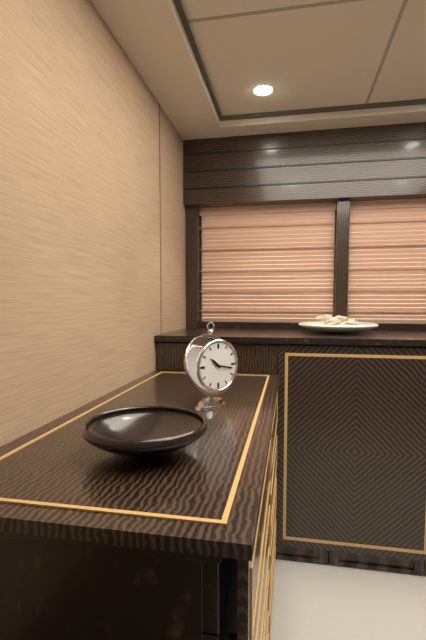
10.17
